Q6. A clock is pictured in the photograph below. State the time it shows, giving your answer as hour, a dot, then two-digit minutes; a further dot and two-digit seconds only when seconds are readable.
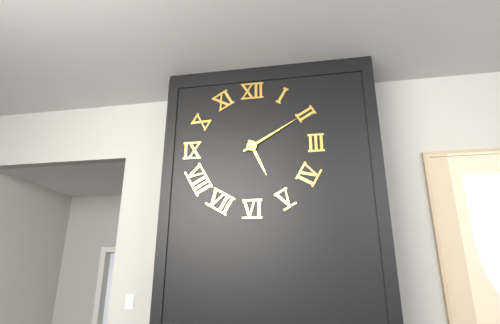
5.10
